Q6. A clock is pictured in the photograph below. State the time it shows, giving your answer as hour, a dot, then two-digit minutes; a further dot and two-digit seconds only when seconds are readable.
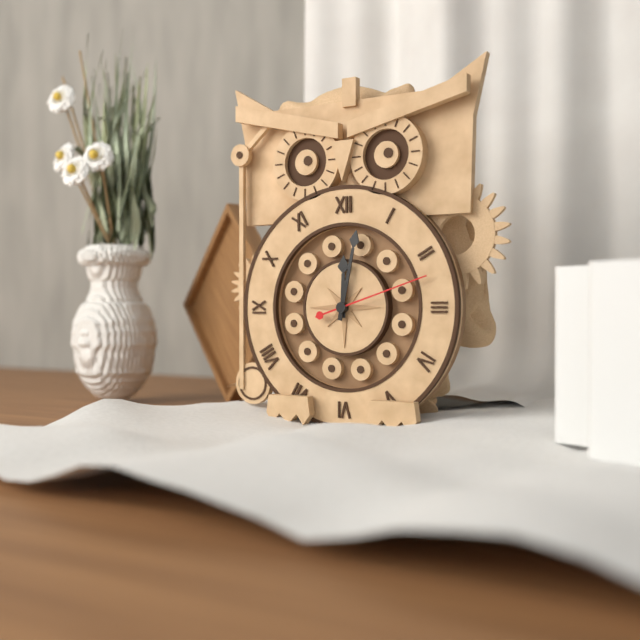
12.02.12
